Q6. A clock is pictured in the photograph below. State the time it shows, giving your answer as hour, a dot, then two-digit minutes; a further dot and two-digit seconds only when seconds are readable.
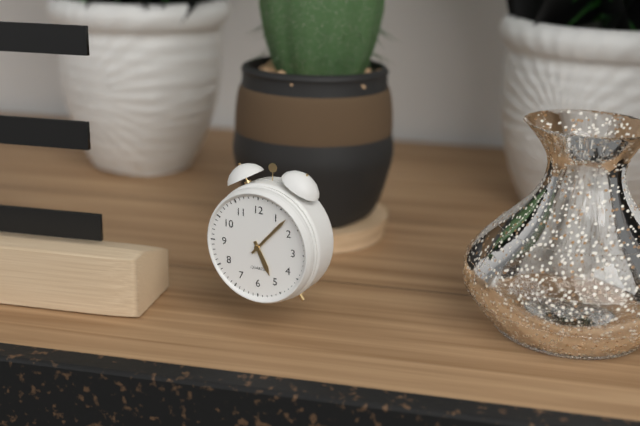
5.07
